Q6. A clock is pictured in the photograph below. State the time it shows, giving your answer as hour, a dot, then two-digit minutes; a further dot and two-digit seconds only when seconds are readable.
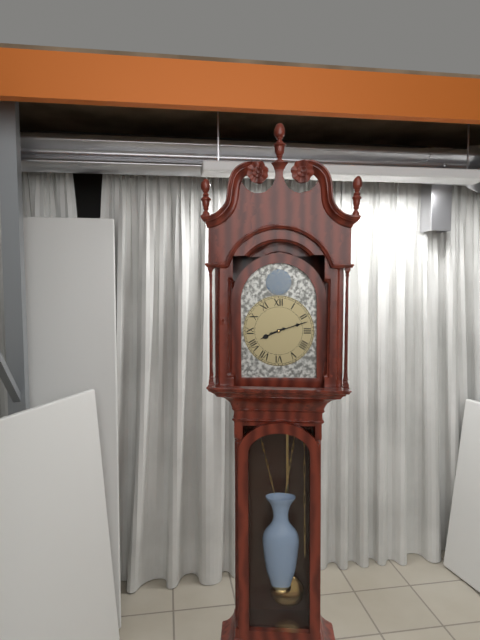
8.12
